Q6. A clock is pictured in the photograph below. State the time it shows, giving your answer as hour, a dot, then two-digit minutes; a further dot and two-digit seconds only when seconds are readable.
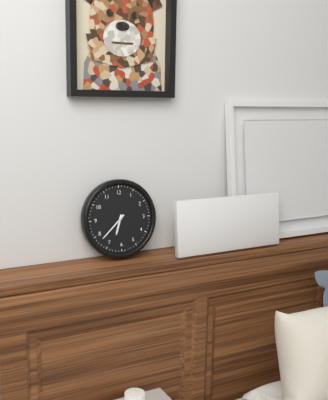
6.38
